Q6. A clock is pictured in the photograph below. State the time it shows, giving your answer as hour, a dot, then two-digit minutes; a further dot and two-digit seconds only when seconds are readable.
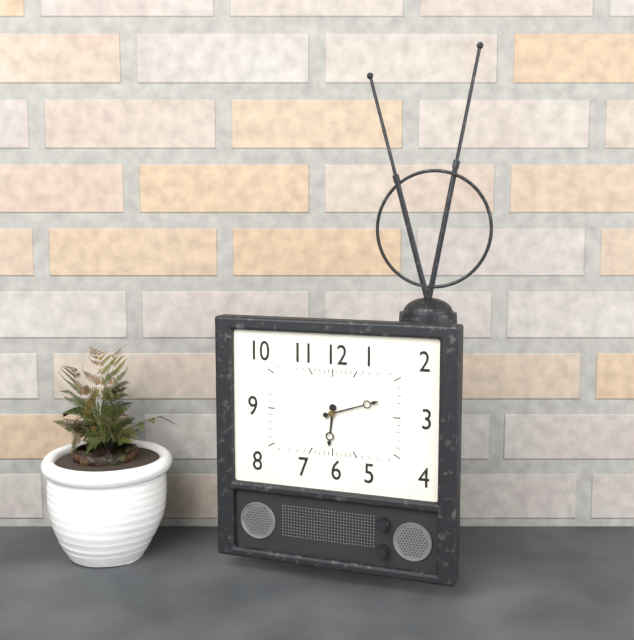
6.12
